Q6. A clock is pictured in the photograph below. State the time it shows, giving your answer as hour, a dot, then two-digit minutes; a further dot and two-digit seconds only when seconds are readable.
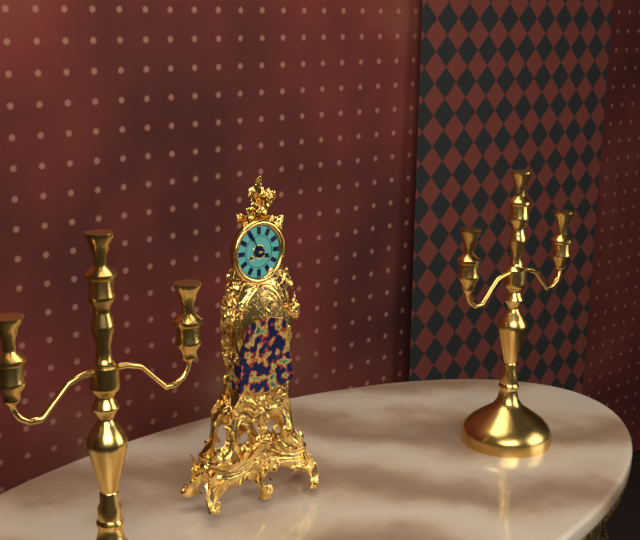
3.55
